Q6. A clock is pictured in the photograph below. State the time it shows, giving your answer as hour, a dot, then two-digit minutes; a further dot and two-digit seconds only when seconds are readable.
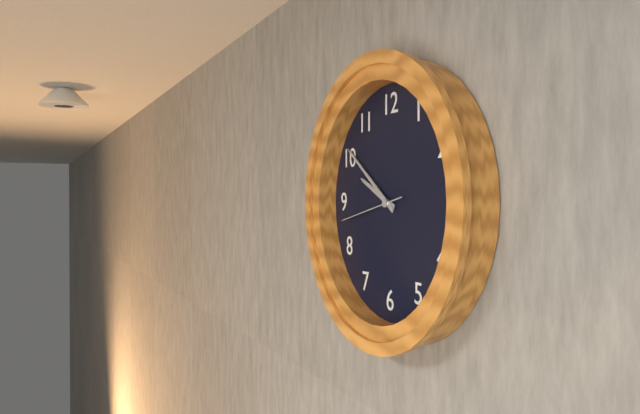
9.51.43
